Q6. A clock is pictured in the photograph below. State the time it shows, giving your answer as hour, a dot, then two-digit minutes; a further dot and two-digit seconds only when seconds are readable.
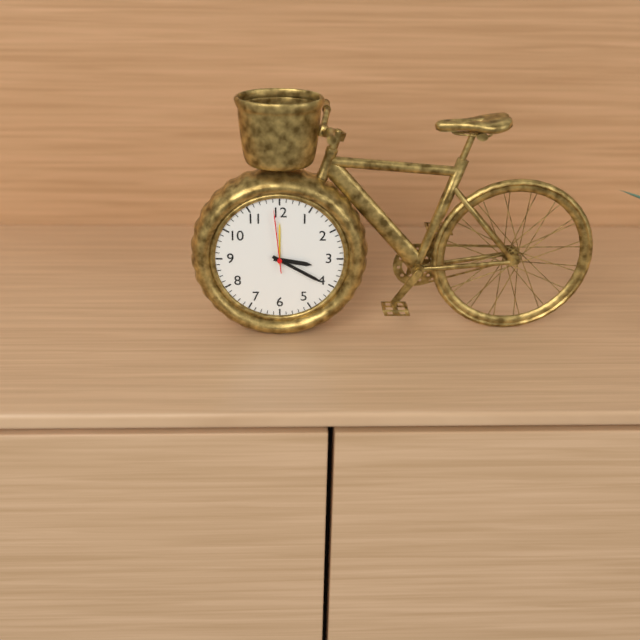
3.20.59
